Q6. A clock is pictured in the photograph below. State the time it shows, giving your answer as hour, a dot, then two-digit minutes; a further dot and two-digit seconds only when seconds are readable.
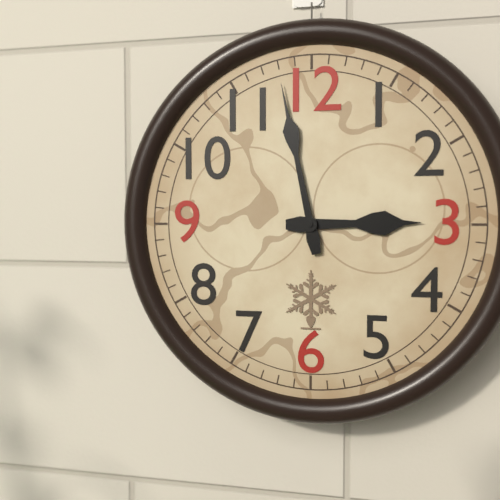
2.58
